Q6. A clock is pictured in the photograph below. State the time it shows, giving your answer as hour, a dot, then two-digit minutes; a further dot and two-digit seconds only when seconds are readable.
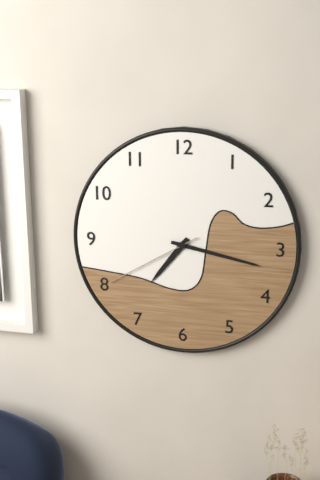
7.17.40
